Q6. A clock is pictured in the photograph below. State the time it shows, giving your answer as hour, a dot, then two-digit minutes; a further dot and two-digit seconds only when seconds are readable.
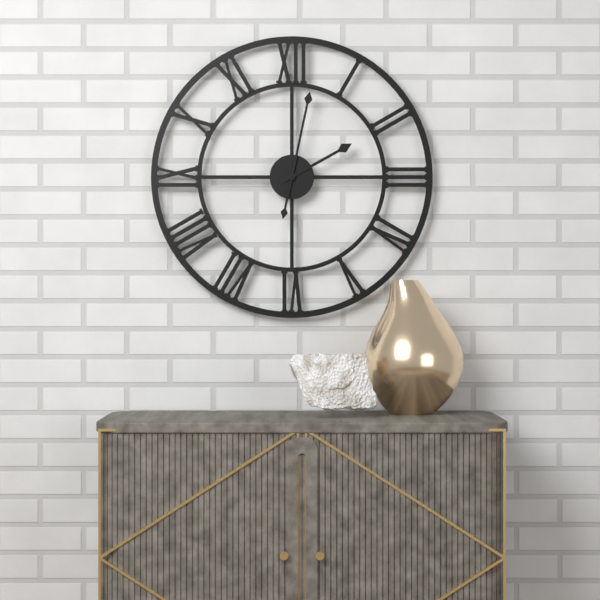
2.02
